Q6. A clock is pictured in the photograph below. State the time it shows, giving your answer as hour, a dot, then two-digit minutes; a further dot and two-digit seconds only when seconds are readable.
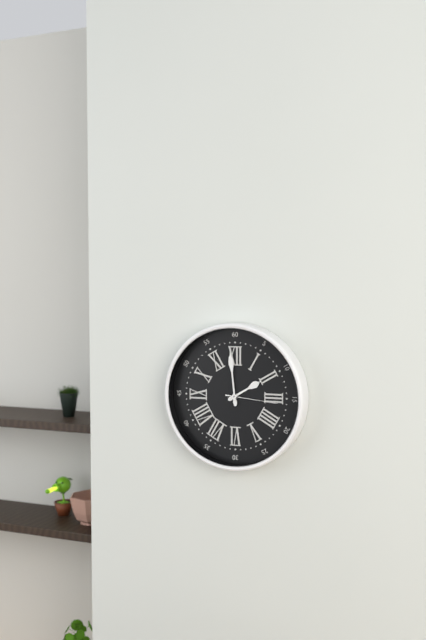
1.59.16
